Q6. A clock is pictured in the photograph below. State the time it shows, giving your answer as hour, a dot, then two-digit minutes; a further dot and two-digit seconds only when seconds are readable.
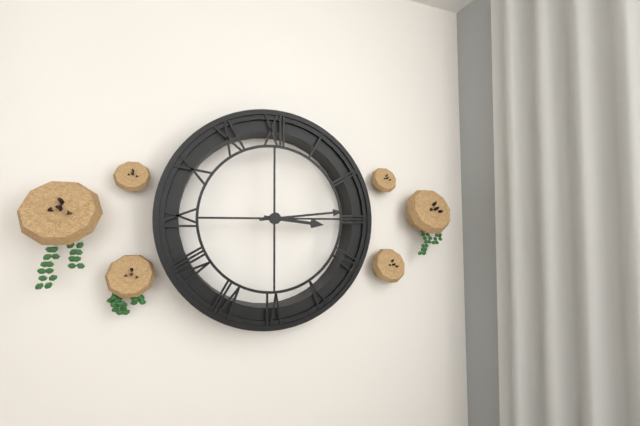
3.14
